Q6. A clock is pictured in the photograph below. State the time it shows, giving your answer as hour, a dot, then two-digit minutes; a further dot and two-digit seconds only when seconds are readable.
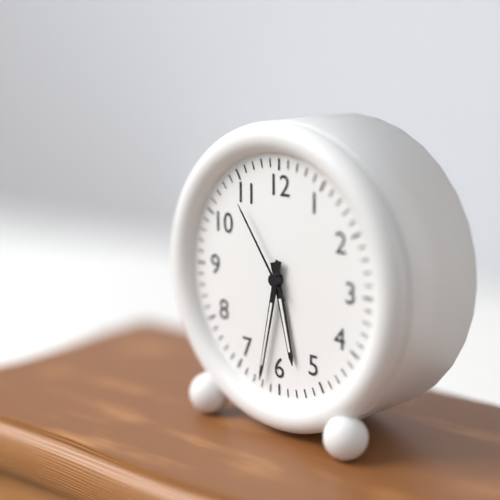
5.32.54
